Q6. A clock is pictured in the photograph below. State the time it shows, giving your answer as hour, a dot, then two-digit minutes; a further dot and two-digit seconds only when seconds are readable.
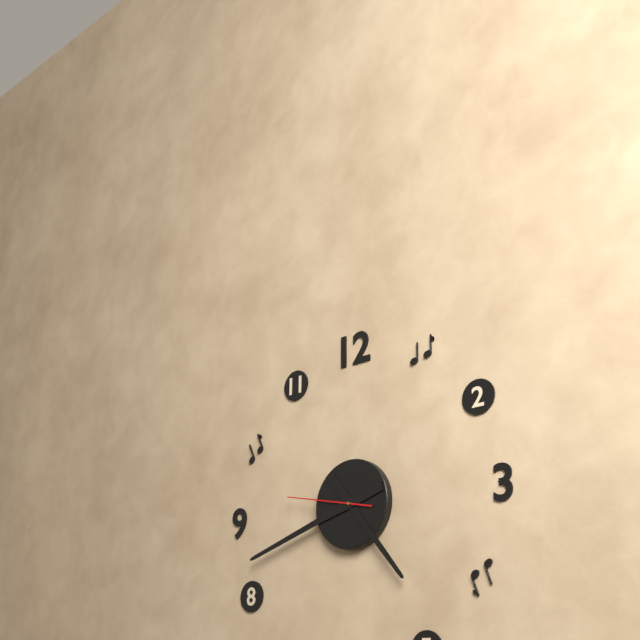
4.42.47
